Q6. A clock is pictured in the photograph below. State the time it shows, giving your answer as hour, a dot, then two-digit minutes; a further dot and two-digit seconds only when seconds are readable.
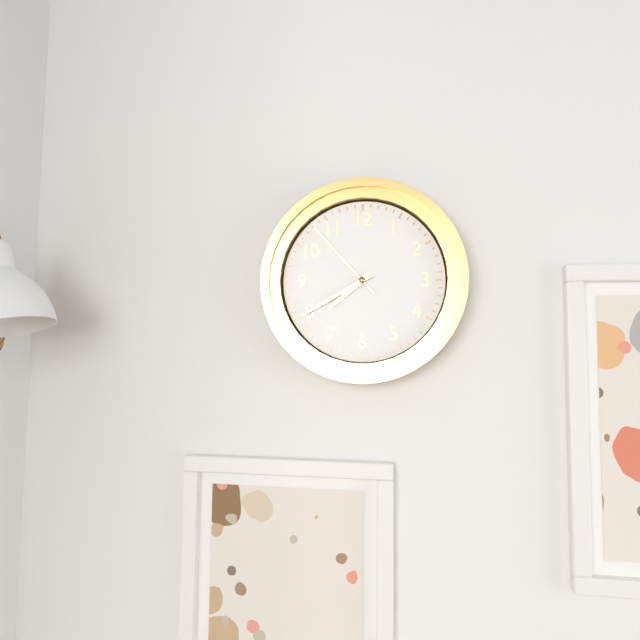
7.40.53
